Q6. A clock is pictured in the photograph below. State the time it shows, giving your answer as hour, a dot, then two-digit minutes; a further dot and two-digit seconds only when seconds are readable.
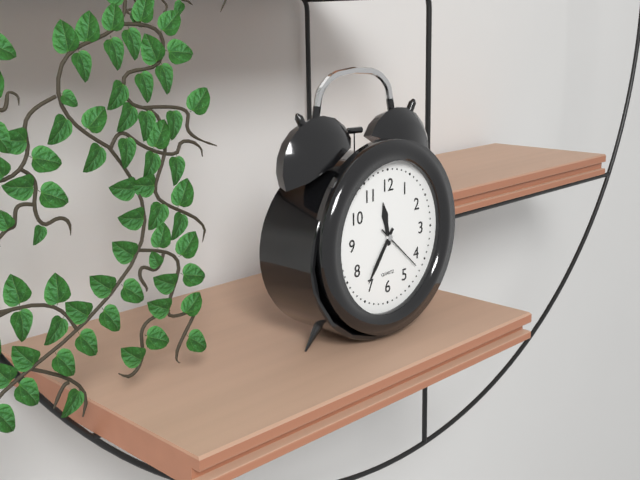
11.36
